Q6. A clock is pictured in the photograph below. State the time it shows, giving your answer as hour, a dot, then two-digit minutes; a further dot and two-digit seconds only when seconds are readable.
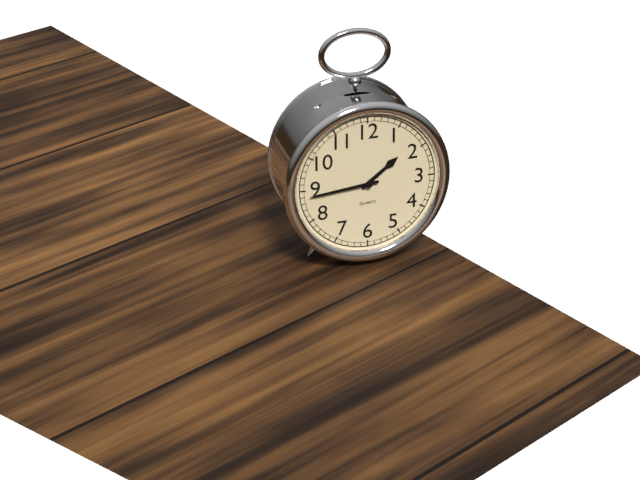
1.44
